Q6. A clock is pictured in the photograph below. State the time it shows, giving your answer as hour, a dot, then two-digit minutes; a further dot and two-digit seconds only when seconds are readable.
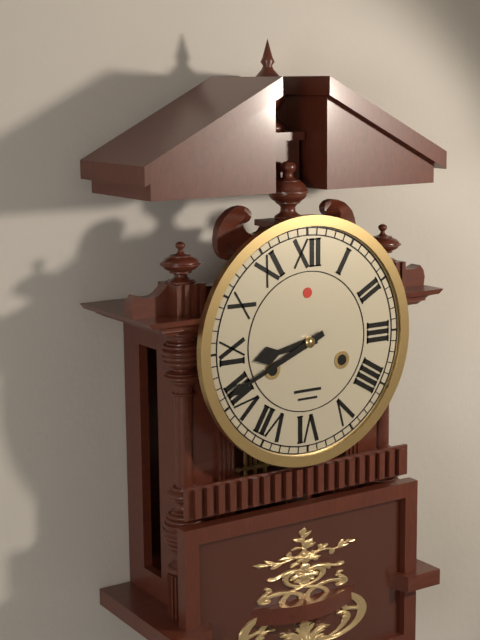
8.41
